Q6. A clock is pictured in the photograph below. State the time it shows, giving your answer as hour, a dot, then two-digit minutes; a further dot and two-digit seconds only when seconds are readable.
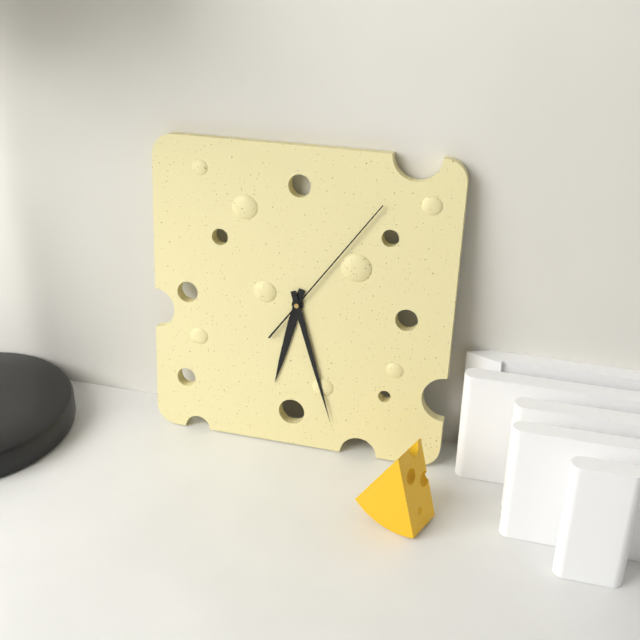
6.27.06
